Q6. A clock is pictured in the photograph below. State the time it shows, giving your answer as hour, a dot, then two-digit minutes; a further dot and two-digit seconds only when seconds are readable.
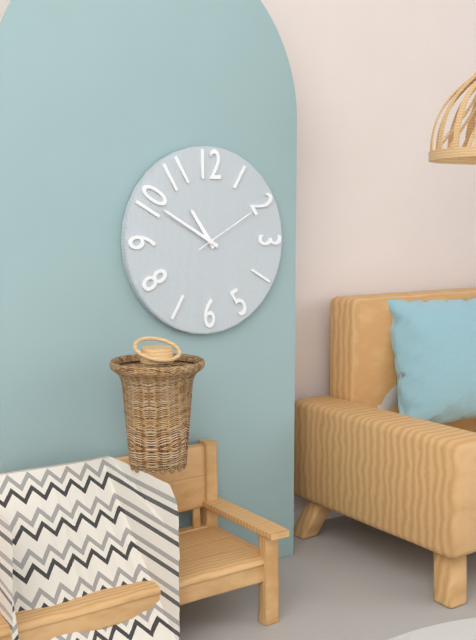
10.50.10
